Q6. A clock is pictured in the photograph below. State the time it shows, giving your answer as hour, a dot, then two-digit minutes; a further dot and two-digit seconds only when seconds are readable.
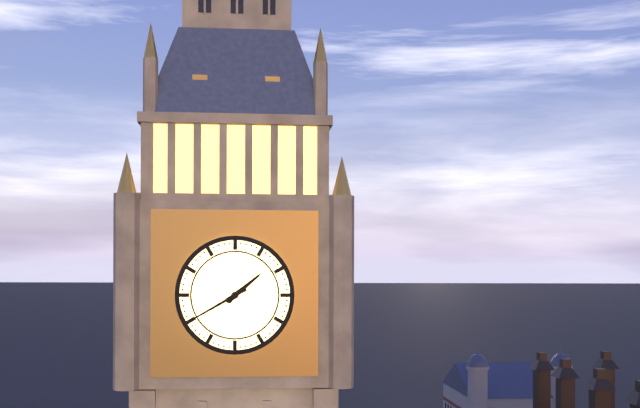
1.40
